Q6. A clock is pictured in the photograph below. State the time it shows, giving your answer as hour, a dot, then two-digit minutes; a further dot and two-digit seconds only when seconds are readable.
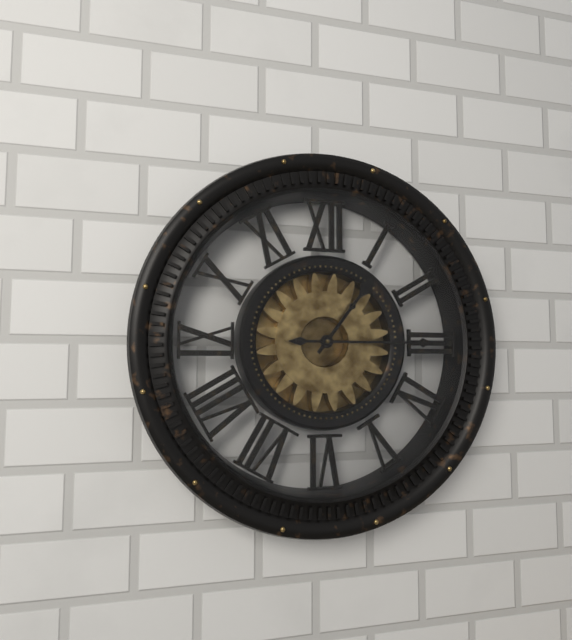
1.15
